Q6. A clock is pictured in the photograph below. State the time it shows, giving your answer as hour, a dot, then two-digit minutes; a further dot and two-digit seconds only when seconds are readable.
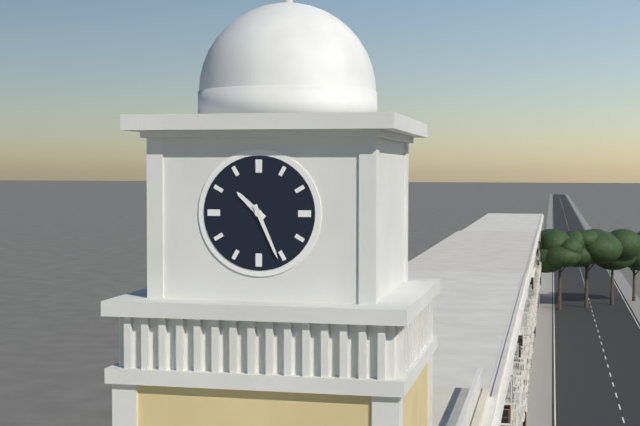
10.26
